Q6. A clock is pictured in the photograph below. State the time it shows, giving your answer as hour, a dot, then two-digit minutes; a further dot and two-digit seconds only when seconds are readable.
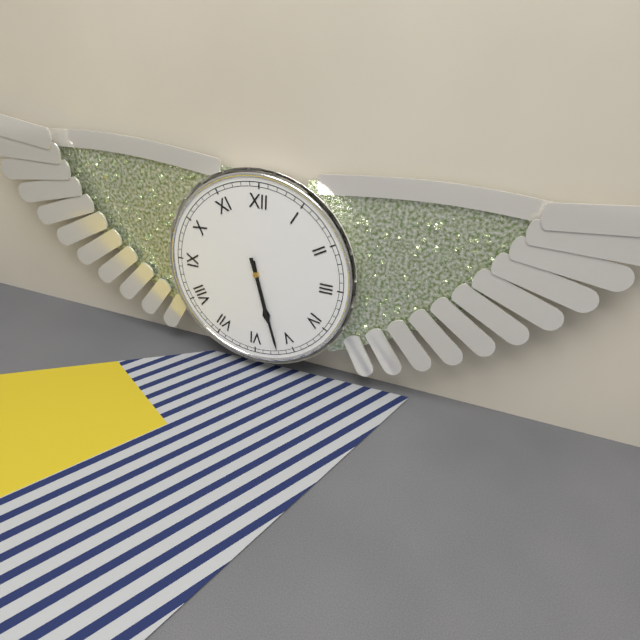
5.27
